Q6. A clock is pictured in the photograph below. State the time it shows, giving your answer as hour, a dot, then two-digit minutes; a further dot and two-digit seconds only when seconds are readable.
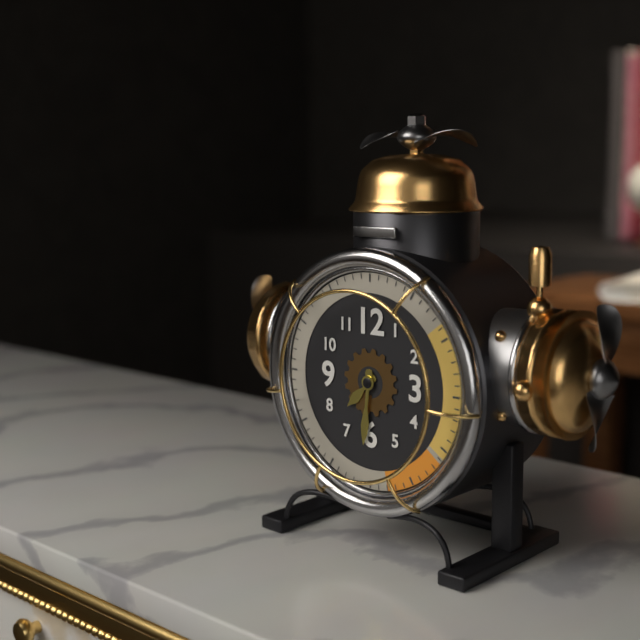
7.31
